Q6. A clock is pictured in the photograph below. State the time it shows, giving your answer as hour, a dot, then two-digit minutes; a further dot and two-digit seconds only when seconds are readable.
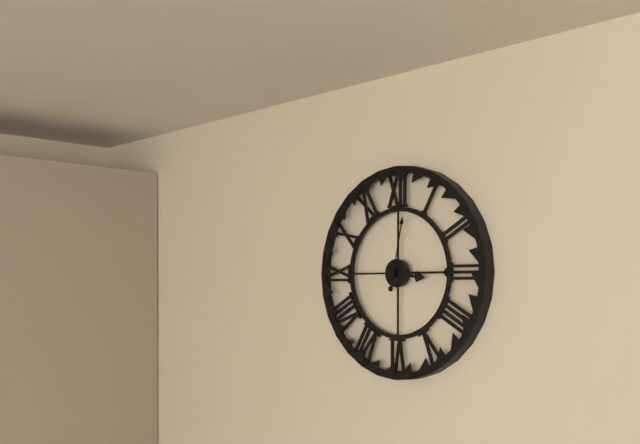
3.15.02
